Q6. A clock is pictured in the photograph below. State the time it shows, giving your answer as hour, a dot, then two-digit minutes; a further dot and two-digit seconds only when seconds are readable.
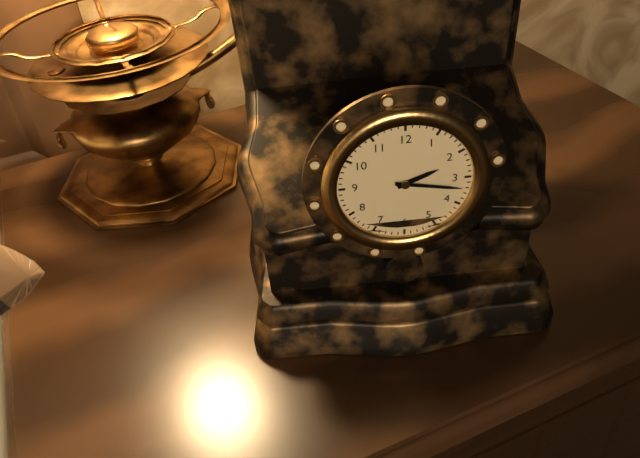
2.17
